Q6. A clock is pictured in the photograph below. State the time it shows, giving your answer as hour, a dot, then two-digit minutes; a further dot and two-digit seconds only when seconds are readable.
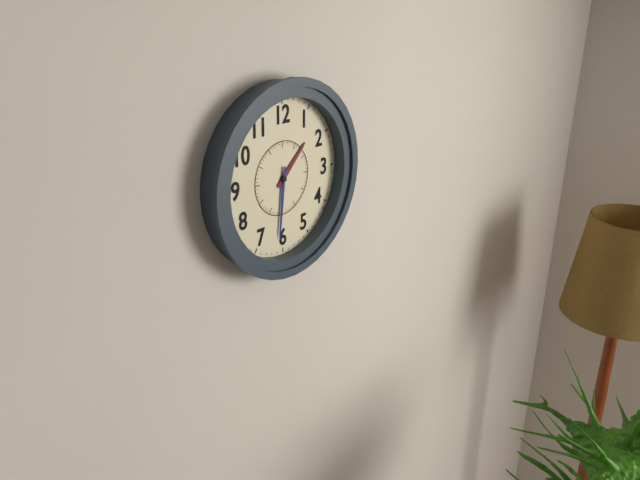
1.31
